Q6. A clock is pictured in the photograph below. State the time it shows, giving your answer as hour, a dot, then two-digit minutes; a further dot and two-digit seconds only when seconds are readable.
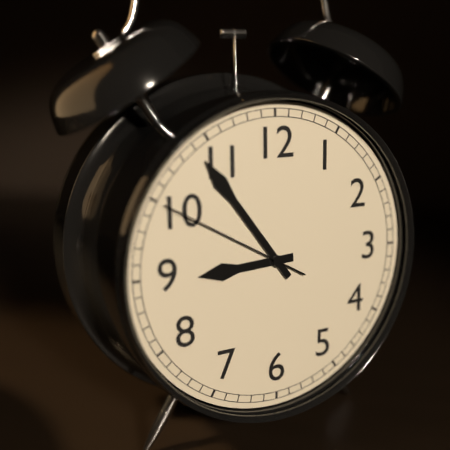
8.54.50
